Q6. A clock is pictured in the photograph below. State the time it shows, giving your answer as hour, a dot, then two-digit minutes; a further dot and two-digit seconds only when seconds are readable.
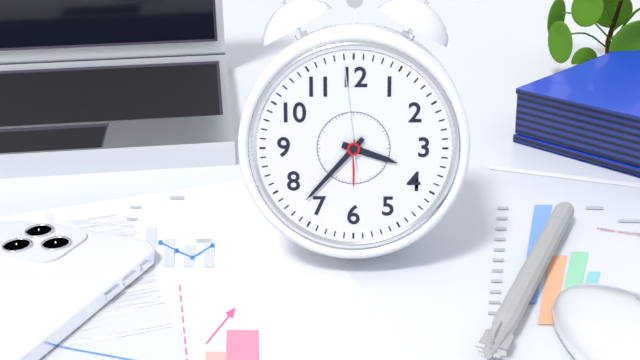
3.37.59
